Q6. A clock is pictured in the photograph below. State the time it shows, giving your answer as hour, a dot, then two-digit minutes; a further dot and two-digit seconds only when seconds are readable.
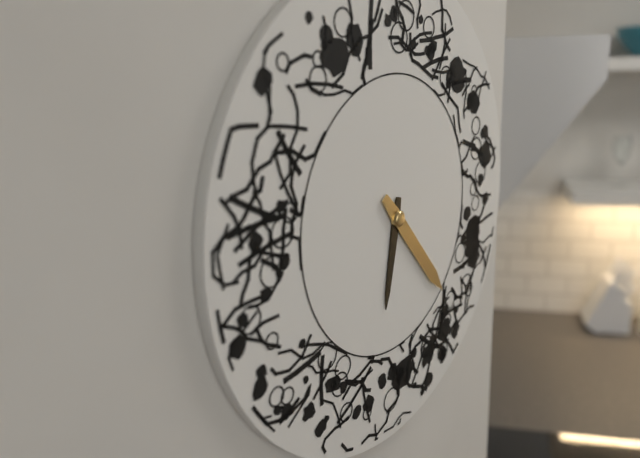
6.23
